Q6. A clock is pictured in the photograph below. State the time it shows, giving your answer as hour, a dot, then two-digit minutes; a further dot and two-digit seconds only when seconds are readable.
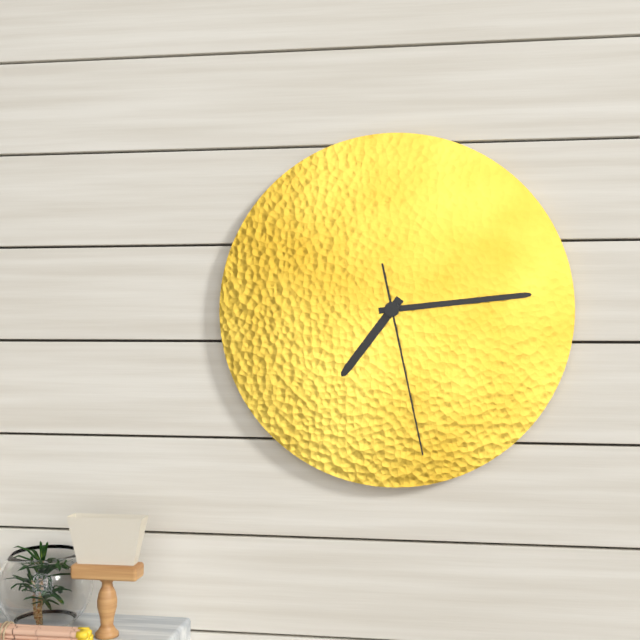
7.14.28
